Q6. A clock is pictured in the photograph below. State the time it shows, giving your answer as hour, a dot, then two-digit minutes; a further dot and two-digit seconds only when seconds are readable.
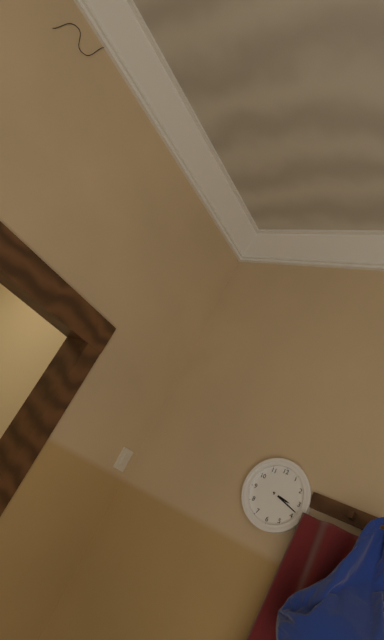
3.18
